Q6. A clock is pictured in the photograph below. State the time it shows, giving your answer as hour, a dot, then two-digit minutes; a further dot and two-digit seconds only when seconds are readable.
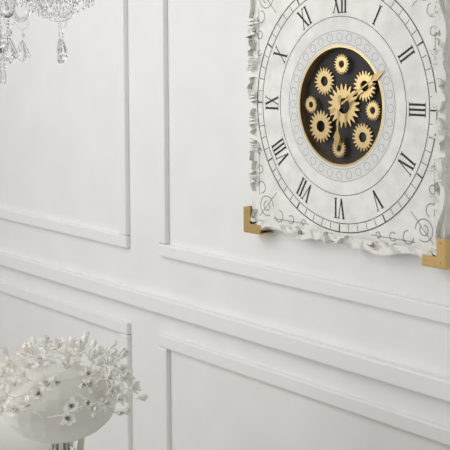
6.10
